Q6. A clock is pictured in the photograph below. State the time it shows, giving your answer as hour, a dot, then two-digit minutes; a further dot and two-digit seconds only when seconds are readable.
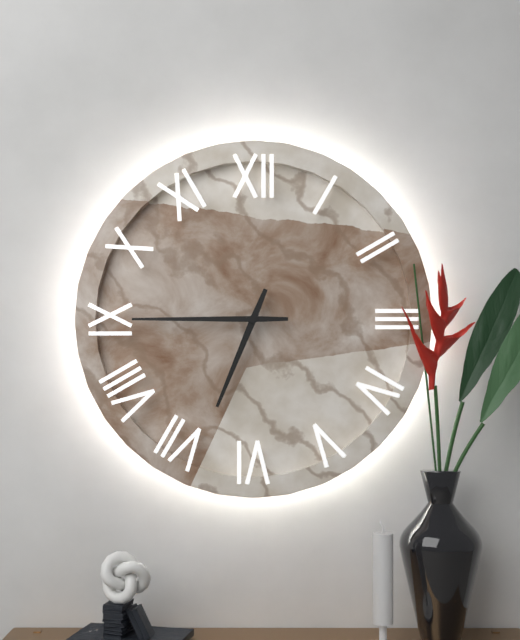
6.45
